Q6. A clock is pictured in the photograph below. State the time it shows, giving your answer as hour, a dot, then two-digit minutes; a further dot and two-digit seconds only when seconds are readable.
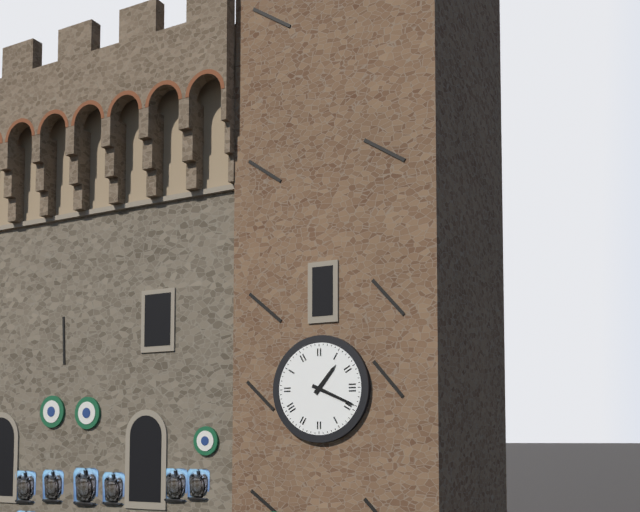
1.19
